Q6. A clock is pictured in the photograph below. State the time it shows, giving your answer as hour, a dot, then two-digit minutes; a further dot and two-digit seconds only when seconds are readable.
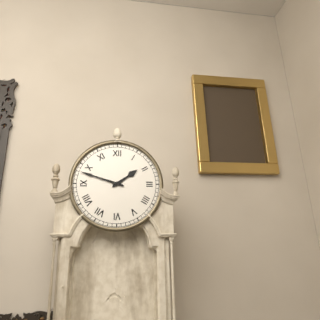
1.48
